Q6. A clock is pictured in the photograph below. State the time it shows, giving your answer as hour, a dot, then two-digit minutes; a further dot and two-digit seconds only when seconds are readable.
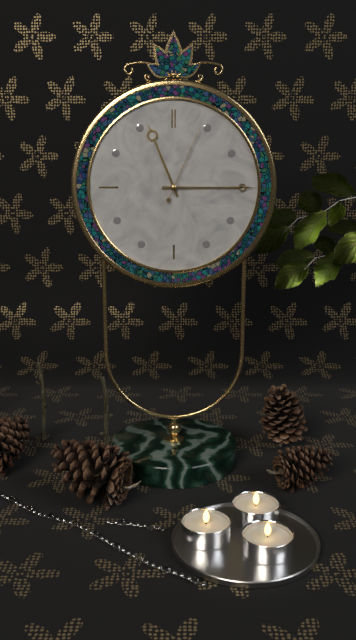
11.15.04
